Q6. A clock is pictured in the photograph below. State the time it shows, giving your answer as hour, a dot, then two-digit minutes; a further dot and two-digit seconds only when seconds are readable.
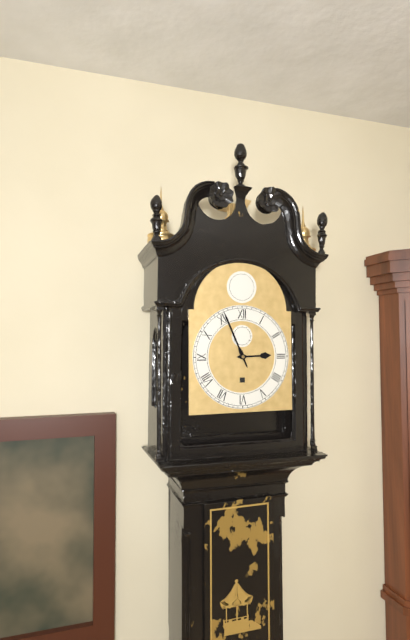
2.56
